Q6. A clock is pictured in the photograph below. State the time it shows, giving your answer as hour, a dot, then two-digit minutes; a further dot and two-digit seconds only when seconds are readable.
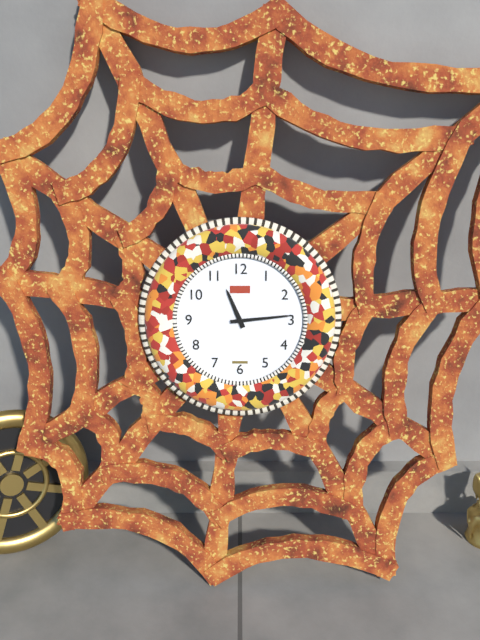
11.14
